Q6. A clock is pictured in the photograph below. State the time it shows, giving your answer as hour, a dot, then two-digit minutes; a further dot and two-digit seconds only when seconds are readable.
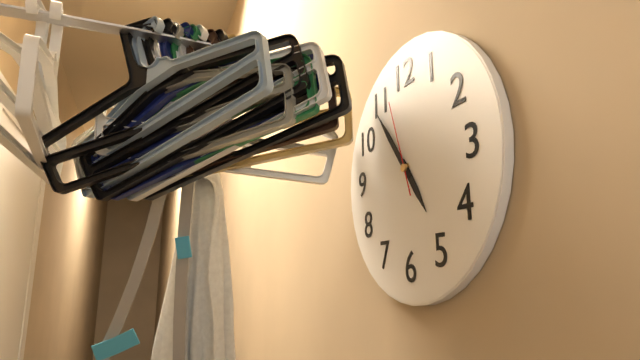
4.54.57
